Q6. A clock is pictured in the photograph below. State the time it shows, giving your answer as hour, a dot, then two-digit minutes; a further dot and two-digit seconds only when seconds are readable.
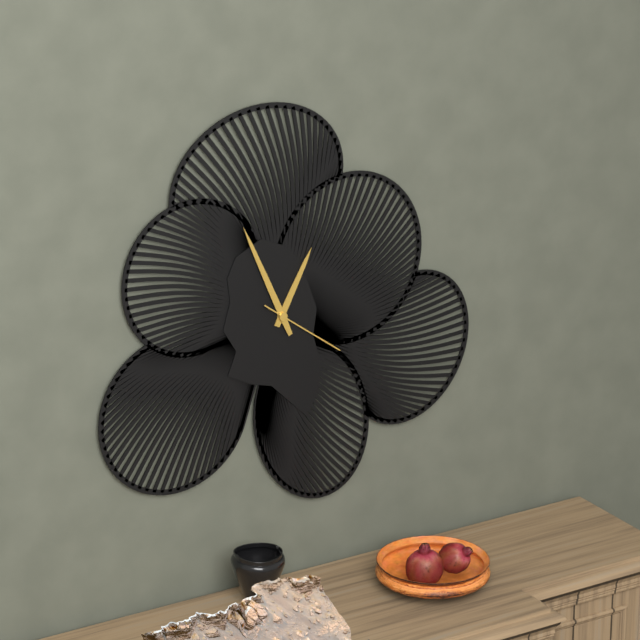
12.56.21
